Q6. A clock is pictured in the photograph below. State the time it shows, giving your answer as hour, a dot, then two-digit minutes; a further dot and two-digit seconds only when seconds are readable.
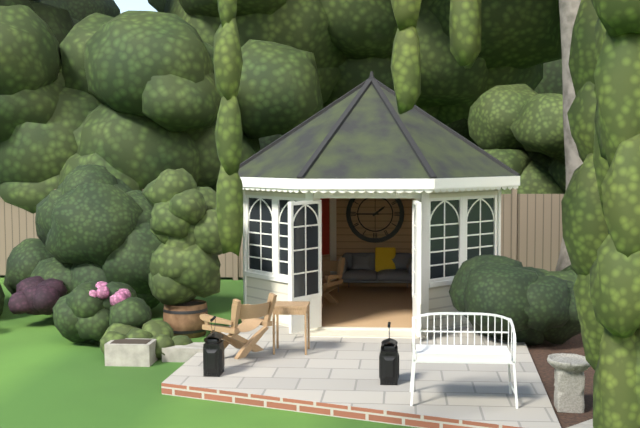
1.45
